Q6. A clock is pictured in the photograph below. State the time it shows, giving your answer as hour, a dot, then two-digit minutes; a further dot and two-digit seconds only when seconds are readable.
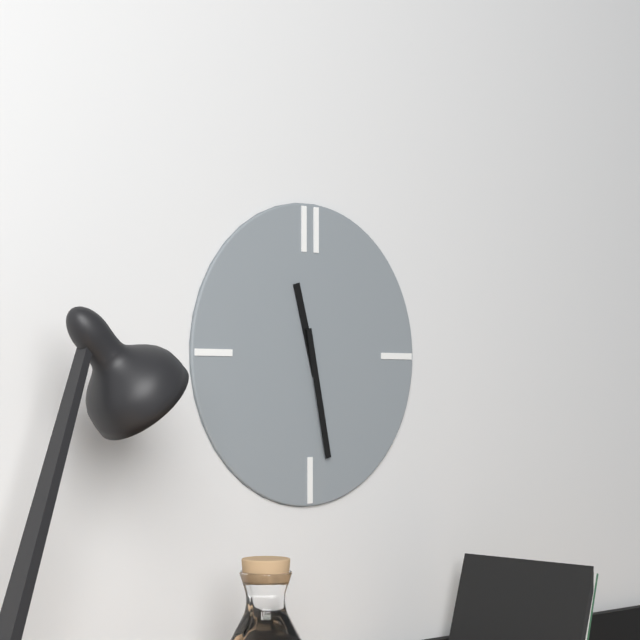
11.28
